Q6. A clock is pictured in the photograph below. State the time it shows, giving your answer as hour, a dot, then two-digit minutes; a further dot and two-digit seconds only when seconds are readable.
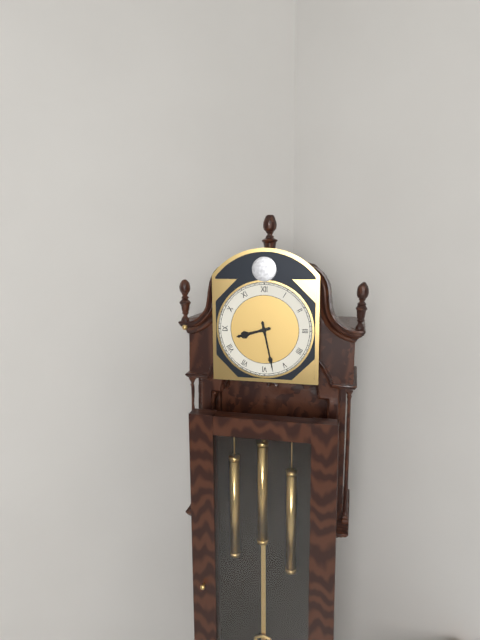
8.28
